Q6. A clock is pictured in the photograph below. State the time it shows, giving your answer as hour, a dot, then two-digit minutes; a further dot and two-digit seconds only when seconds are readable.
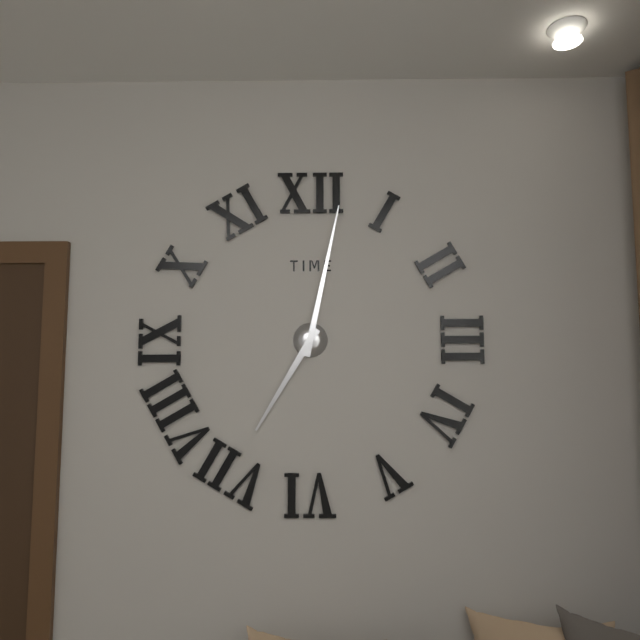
7.02
